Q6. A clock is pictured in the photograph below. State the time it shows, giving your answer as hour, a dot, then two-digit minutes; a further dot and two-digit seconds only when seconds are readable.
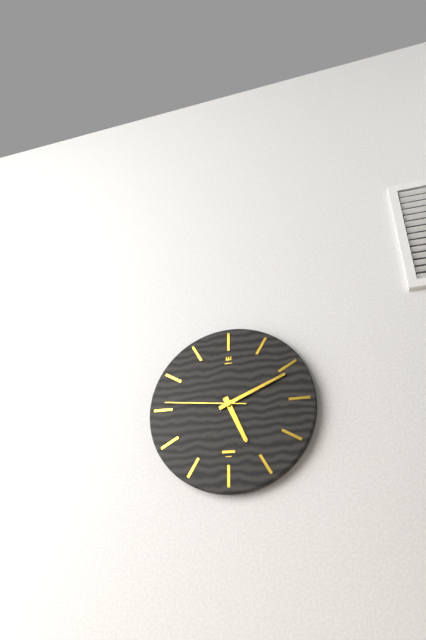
5.11.46
